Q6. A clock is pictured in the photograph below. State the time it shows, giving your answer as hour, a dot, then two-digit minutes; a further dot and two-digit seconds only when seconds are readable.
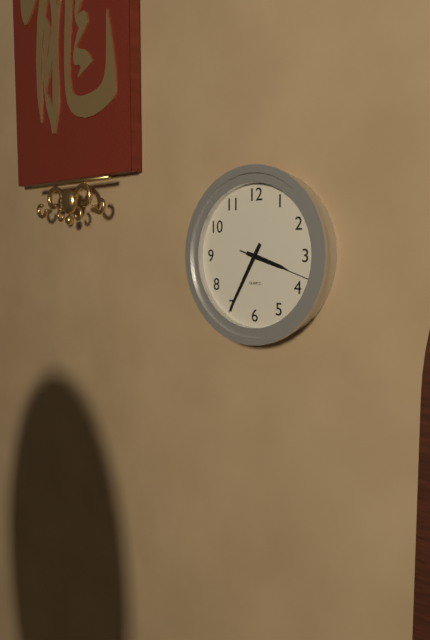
3.35.18
